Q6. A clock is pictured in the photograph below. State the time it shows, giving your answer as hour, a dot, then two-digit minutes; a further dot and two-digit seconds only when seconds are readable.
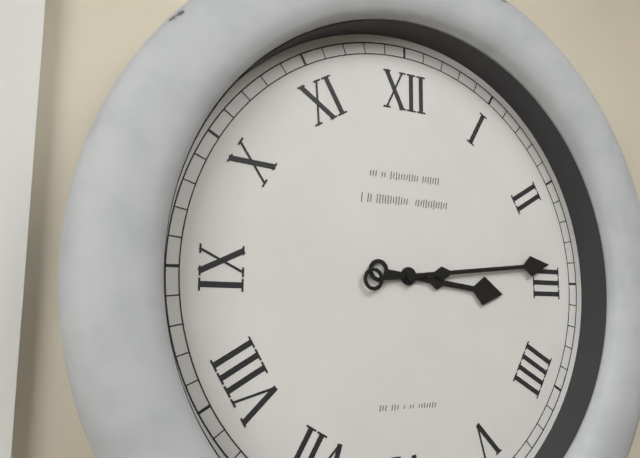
3.14
